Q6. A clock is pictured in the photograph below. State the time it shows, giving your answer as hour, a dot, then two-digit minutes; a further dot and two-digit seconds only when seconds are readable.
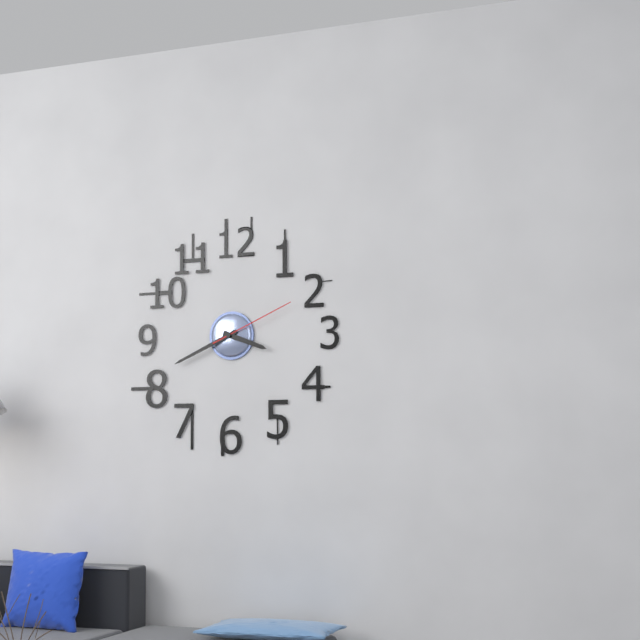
3.41.11
